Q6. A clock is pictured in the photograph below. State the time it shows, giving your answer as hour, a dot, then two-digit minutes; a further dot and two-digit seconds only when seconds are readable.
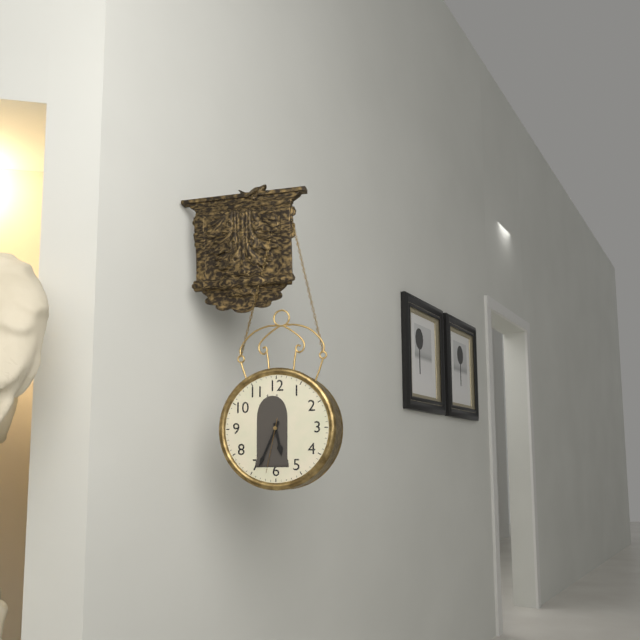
5.34.32
